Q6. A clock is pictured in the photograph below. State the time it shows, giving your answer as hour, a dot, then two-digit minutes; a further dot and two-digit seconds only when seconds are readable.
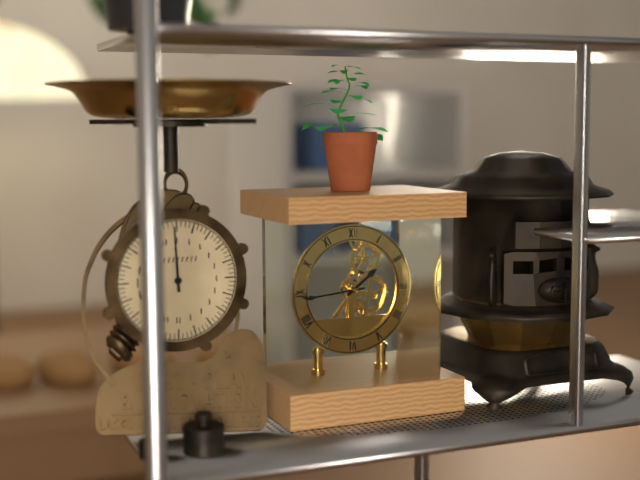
1.44
